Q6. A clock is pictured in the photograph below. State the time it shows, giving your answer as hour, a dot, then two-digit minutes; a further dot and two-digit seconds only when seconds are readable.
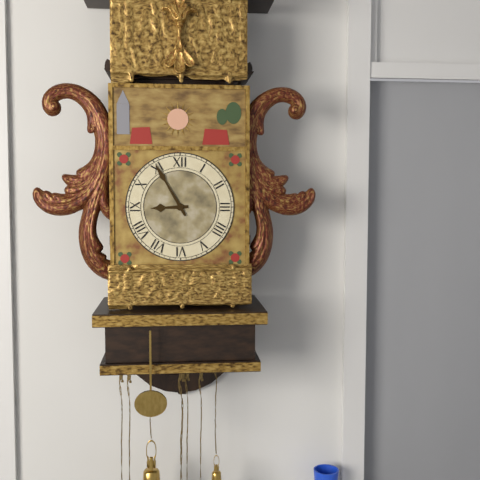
8.55
